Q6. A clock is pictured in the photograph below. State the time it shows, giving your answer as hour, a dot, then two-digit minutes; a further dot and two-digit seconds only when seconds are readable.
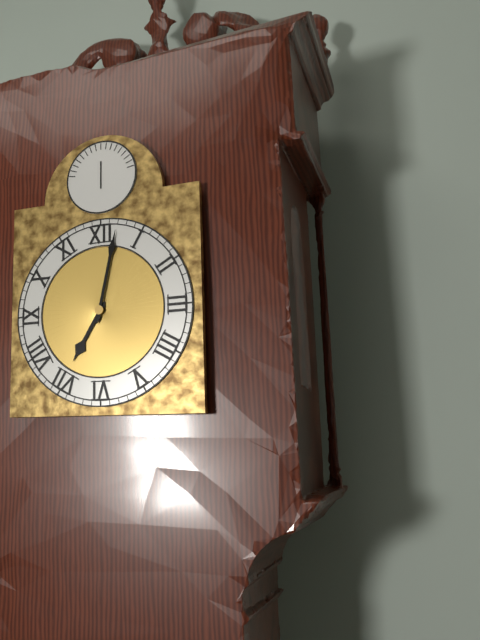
7.02
